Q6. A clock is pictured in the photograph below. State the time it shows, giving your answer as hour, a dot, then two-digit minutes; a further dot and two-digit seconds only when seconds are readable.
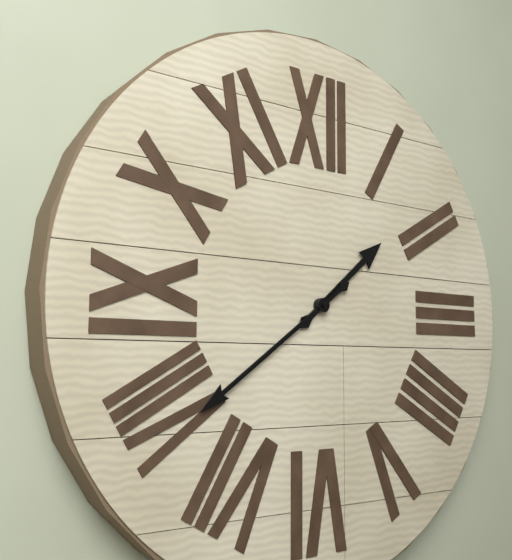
1.39
